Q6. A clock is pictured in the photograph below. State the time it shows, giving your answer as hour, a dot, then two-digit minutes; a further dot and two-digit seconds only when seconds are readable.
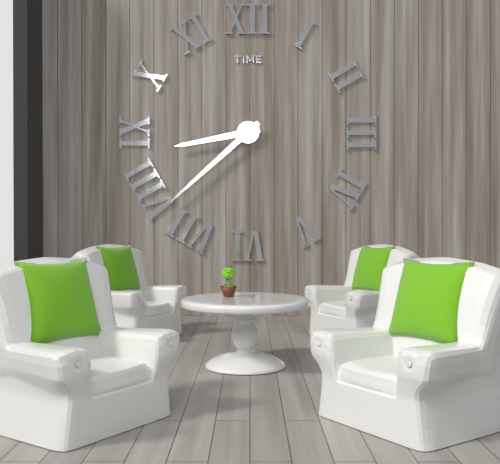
8.38
